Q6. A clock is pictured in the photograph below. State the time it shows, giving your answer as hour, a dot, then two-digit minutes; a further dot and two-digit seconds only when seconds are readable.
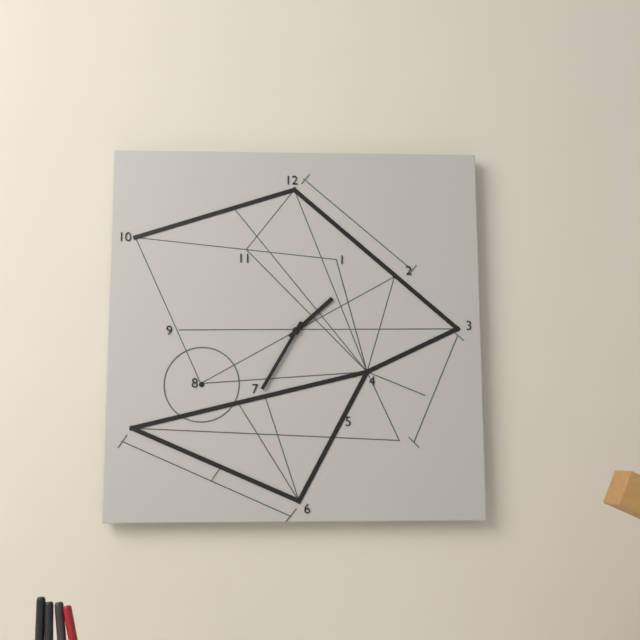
1.35
